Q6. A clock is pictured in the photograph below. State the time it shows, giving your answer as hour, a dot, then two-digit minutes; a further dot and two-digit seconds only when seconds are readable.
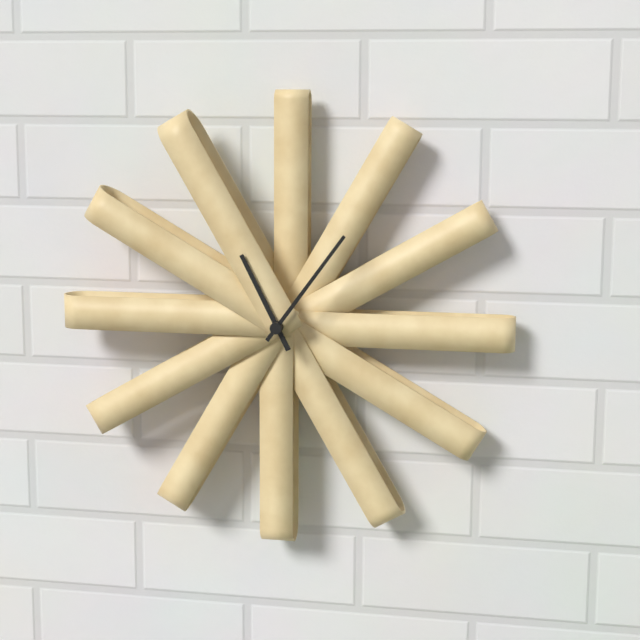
11.06
